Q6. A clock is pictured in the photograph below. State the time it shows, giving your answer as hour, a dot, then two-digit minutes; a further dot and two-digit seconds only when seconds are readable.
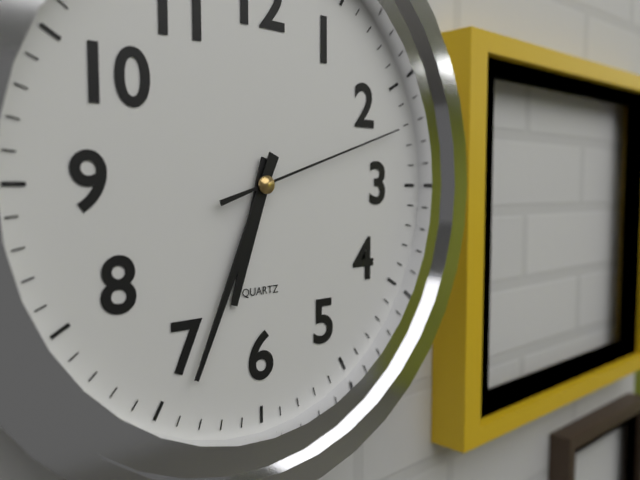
6.34.12
